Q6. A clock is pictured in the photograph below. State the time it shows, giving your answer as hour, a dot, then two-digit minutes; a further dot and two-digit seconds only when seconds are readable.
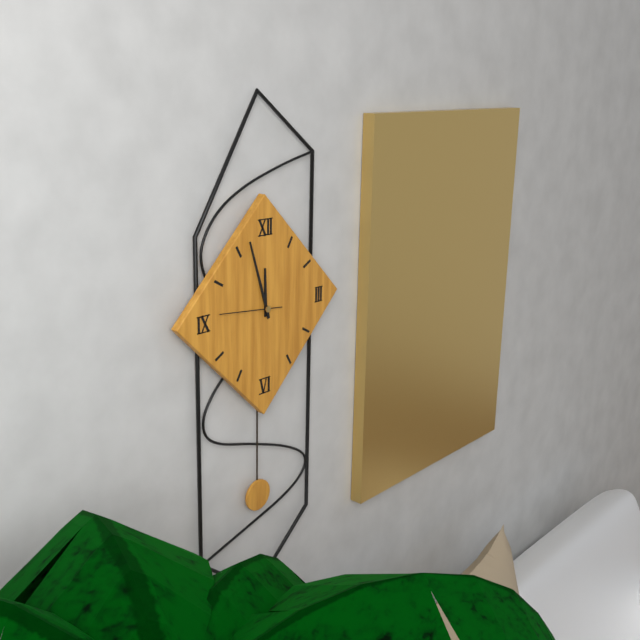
11.57
